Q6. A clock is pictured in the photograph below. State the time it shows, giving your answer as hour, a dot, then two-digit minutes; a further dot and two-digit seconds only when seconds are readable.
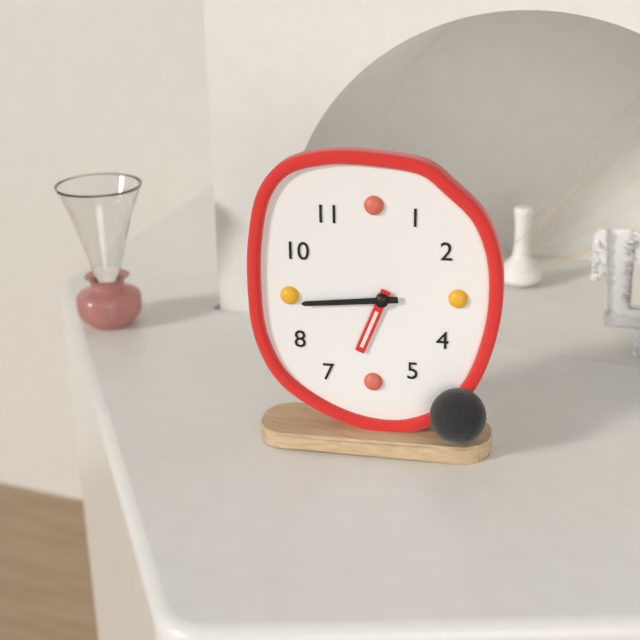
6.44
